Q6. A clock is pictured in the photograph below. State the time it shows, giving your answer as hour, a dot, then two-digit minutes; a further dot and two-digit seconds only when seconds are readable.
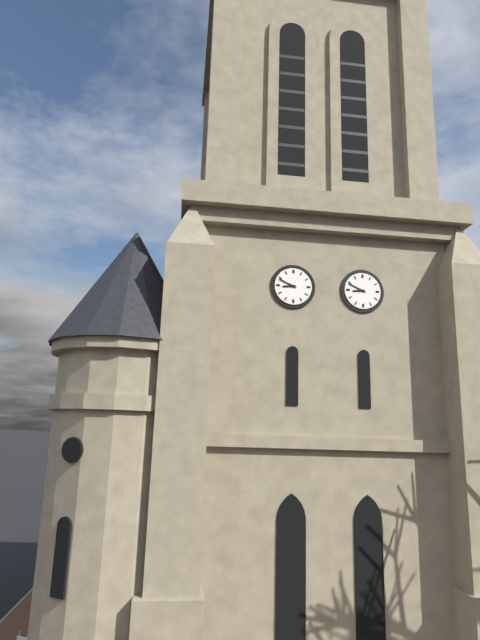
8.49
